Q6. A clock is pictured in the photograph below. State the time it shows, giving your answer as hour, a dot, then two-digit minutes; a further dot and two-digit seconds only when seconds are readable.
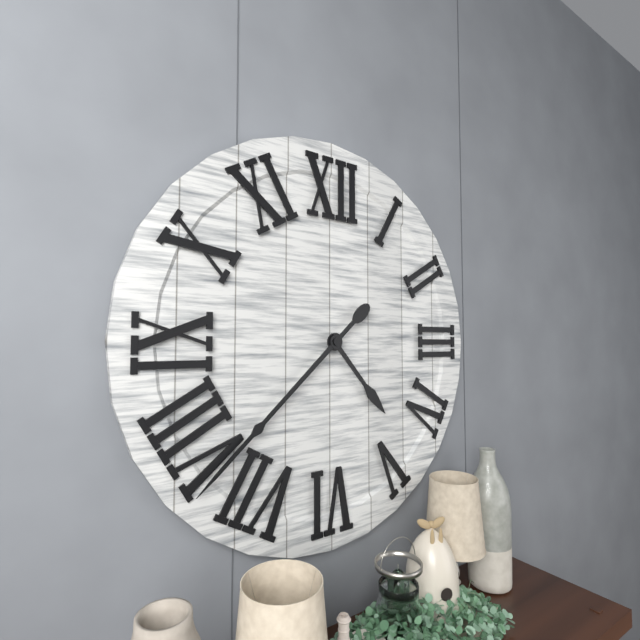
4.38
